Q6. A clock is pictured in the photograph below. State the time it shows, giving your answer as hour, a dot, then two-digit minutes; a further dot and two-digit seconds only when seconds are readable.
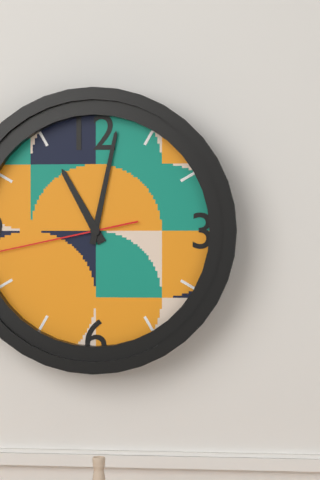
11.02
